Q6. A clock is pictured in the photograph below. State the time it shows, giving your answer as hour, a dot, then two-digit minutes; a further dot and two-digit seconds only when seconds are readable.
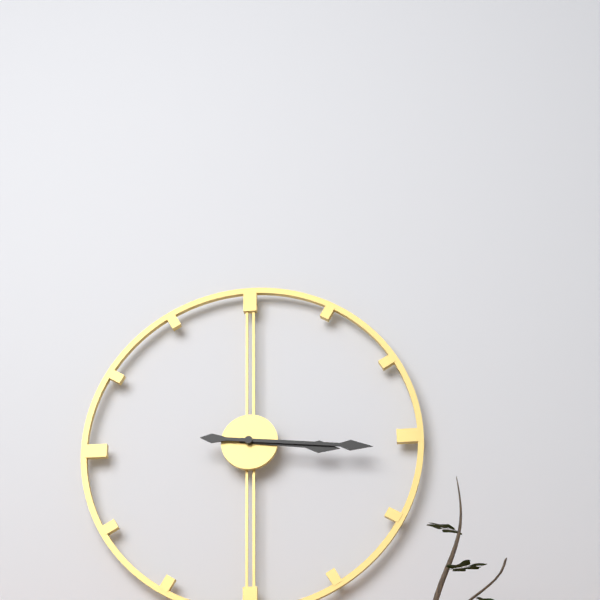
3.16
